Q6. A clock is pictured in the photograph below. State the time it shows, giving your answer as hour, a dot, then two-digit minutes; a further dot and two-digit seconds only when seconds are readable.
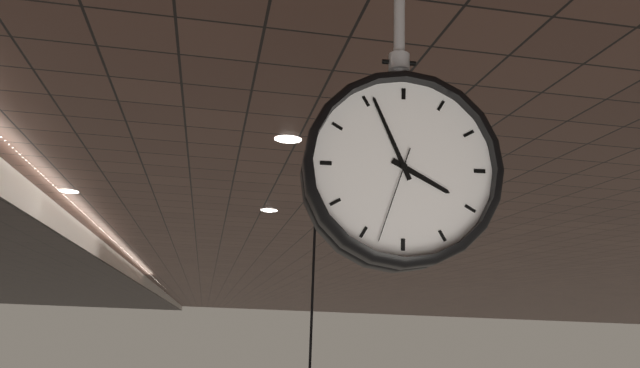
3.56.33
